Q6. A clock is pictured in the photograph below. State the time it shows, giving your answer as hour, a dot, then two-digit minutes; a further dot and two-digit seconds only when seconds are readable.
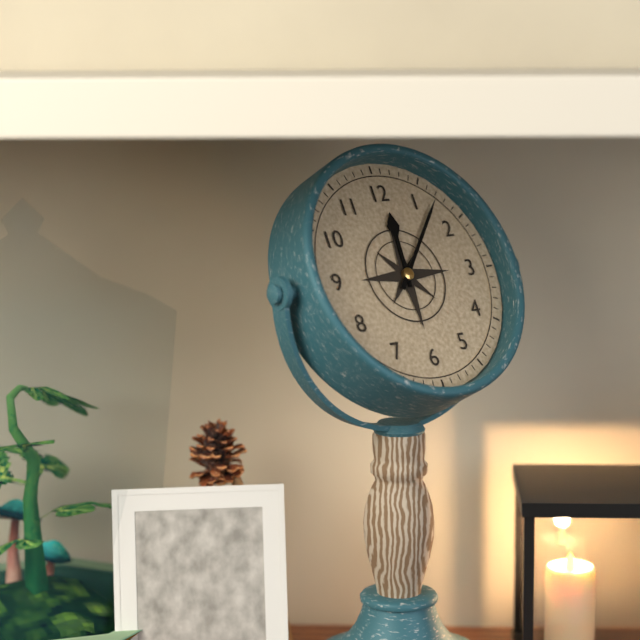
12.07
